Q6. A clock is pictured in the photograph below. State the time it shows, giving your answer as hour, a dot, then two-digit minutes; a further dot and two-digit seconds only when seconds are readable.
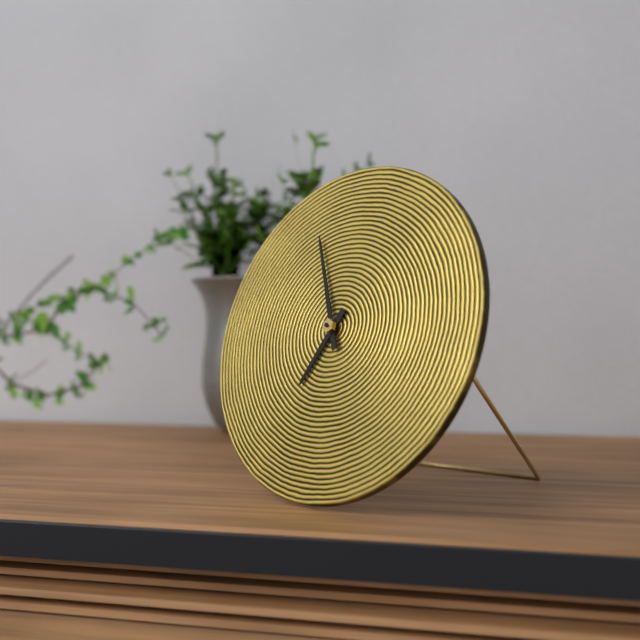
6.56
